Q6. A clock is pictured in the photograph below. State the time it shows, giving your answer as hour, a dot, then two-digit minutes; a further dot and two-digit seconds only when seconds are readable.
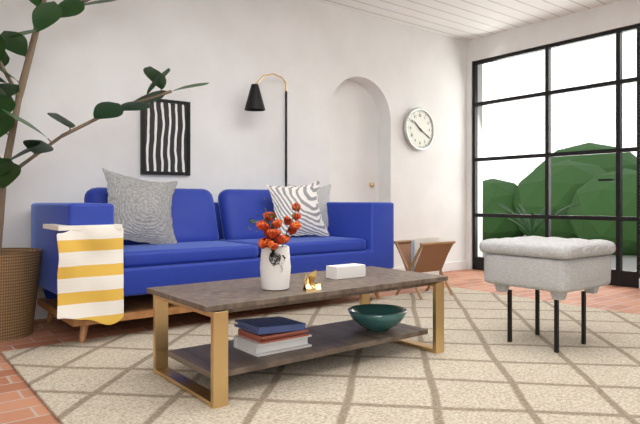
10.20
